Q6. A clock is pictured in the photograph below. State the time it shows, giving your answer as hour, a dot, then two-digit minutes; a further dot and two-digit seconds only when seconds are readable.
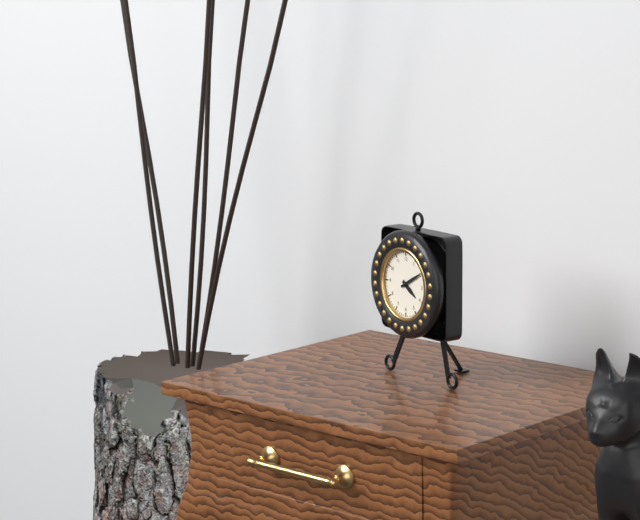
4.10
